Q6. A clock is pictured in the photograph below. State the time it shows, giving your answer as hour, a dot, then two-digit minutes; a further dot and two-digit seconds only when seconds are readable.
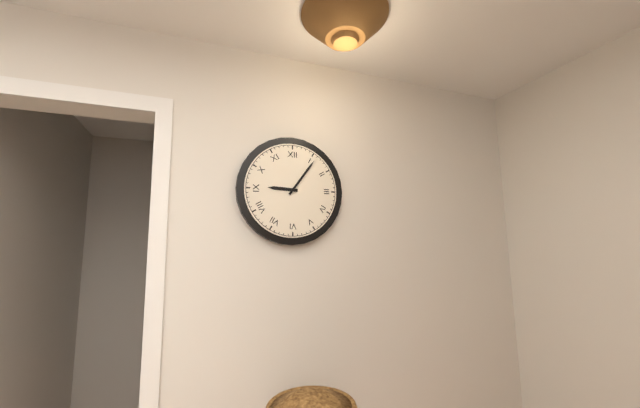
9.06
